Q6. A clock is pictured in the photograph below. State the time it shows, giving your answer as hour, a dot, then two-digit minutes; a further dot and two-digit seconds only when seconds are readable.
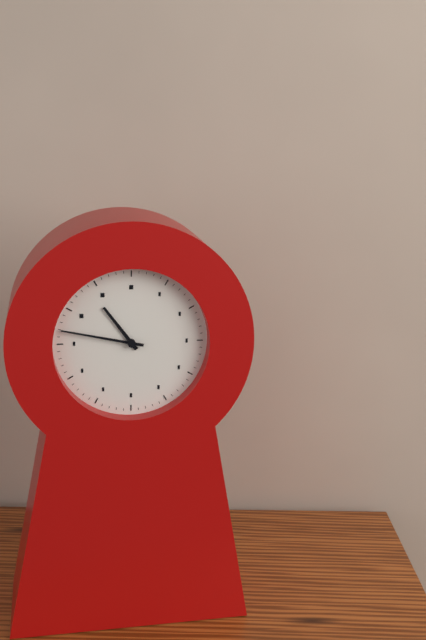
10.47
